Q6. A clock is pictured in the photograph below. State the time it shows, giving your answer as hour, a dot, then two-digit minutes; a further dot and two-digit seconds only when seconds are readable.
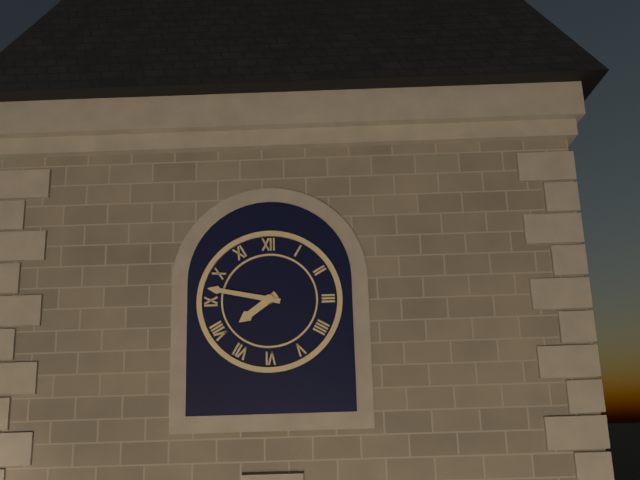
7.47
